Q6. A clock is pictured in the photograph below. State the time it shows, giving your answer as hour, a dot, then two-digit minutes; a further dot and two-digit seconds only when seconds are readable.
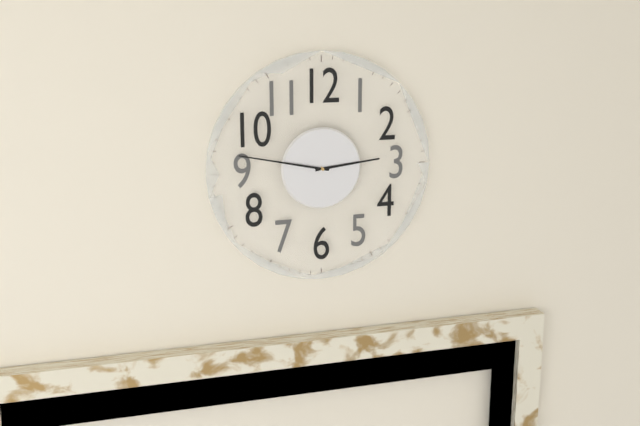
2.47
